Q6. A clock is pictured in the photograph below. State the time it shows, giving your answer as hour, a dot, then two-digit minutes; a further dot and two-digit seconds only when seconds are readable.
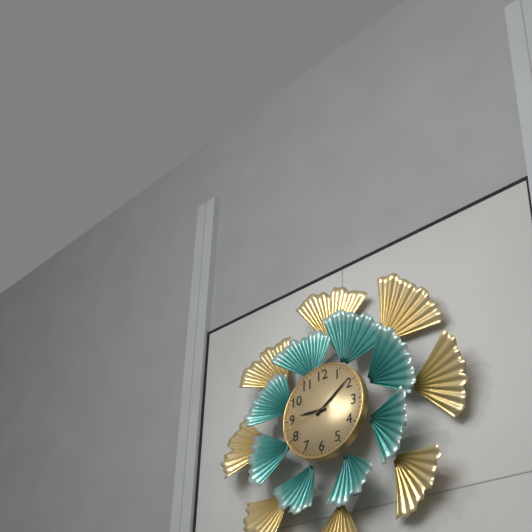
9.09
